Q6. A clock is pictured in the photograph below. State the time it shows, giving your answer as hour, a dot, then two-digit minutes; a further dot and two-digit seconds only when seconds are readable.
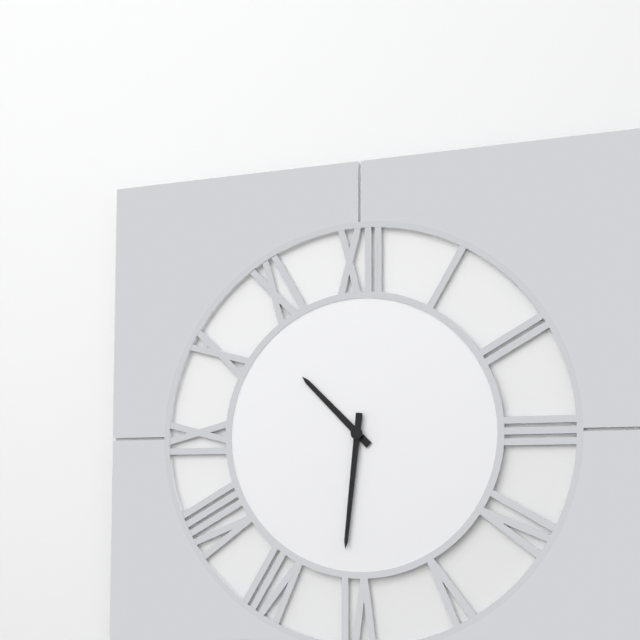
10.31
